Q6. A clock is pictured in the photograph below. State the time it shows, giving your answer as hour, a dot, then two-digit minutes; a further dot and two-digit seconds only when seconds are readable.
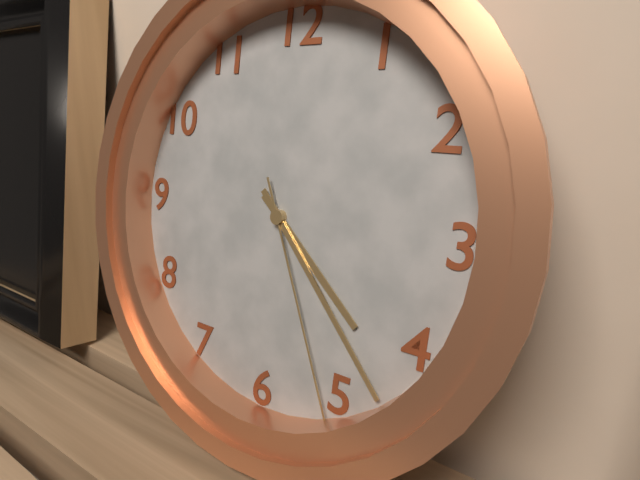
4.23.26
